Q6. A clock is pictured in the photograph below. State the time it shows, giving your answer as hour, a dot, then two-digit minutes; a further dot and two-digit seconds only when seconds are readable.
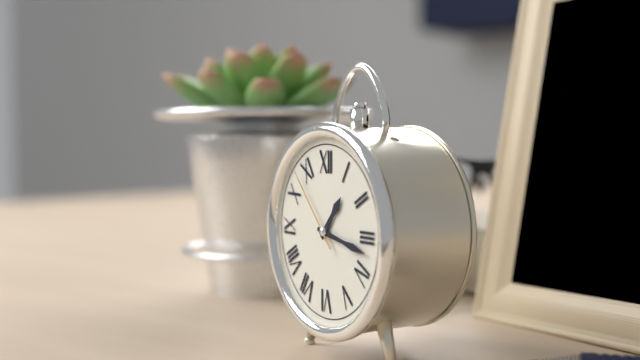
1.17.53
